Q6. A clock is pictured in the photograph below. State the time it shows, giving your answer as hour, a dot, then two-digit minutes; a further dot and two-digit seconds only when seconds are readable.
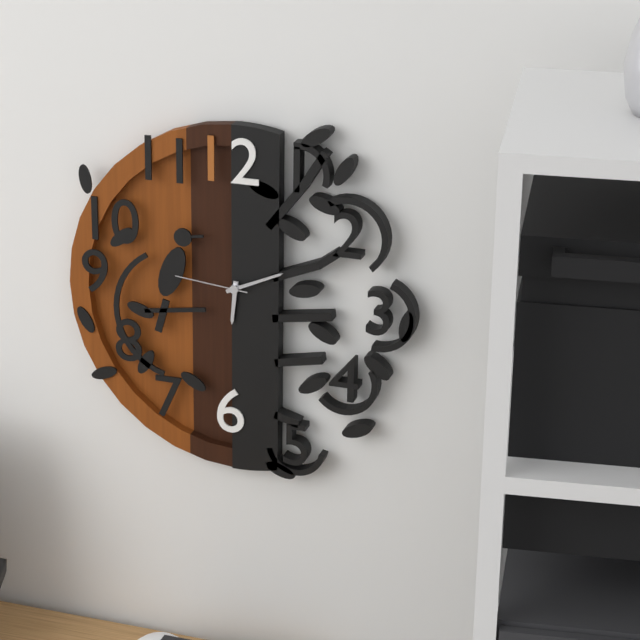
6.11.46
